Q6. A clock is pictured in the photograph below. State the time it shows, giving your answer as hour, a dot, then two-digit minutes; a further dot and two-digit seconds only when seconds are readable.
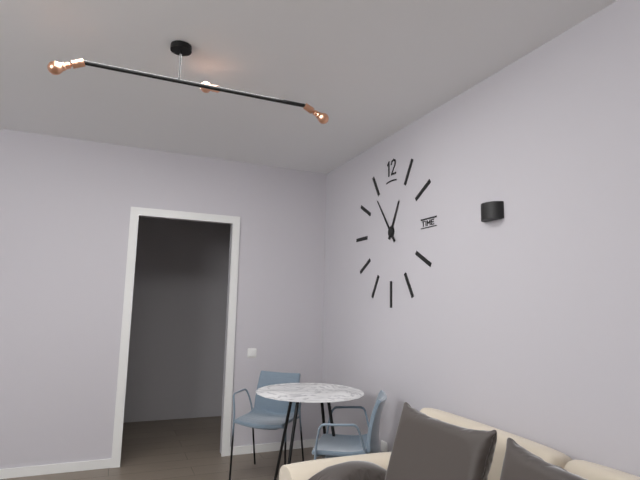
12.54
